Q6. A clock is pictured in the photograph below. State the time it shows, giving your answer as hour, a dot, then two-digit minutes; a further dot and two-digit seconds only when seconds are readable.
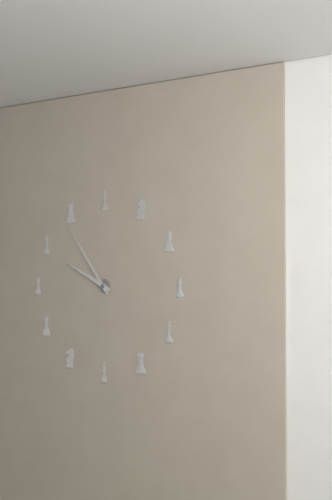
9.54
